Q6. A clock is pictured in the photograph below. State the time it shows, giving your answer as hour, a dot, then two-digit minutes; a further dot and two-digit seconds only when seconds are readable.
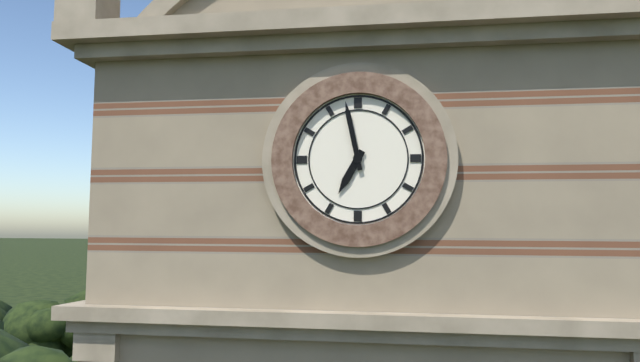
6.58
